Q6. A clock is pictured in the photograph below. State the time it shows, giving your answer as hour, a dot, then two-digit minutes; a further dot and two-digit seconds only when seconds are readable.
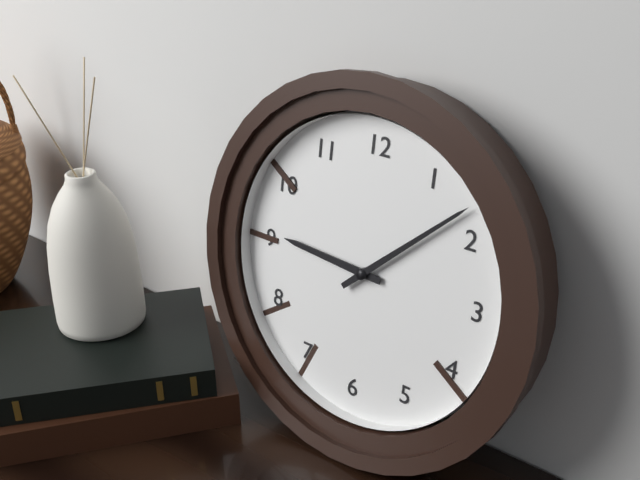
9.08
